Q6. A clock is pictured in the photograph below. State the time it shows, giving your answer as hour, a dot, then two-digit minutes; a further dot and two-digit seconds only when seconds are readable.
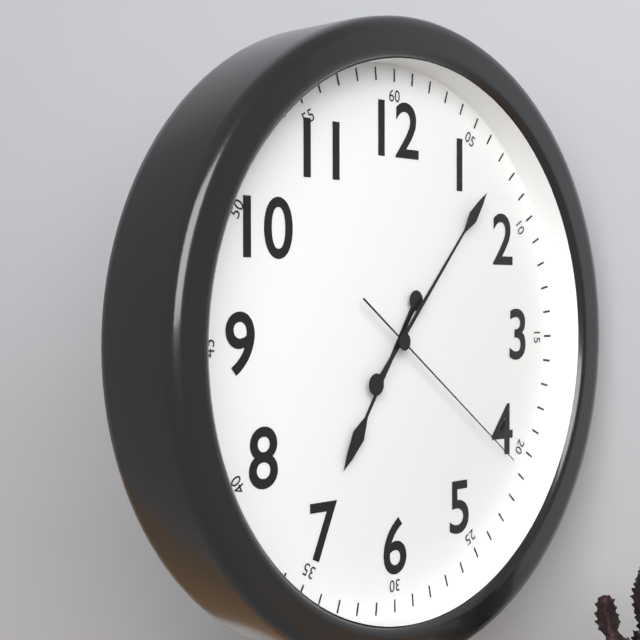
7.07.21
